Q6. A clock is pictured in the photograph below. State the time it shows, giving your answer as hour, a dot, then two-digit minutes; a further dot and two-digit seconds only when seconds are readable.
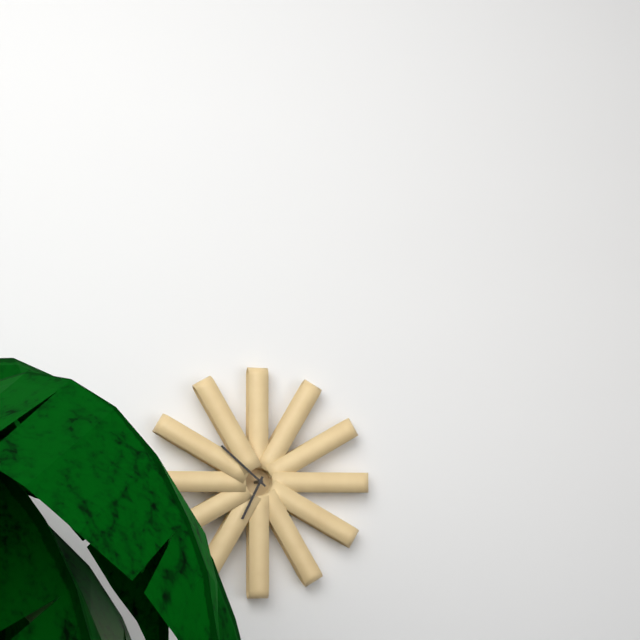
6.52
